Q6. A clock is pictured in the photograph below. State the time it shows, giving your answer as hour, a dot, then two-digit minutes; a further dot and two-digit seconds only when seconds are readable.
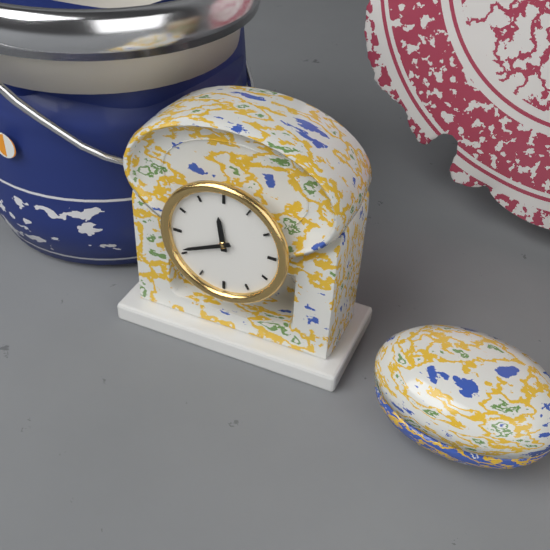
11.41
